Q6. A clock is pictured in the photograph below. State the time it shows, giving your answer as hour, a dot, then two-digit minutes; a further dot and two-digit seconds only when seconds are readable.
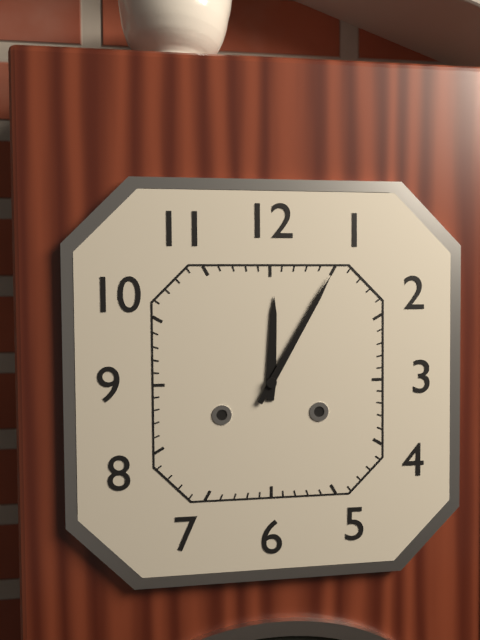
12.05
